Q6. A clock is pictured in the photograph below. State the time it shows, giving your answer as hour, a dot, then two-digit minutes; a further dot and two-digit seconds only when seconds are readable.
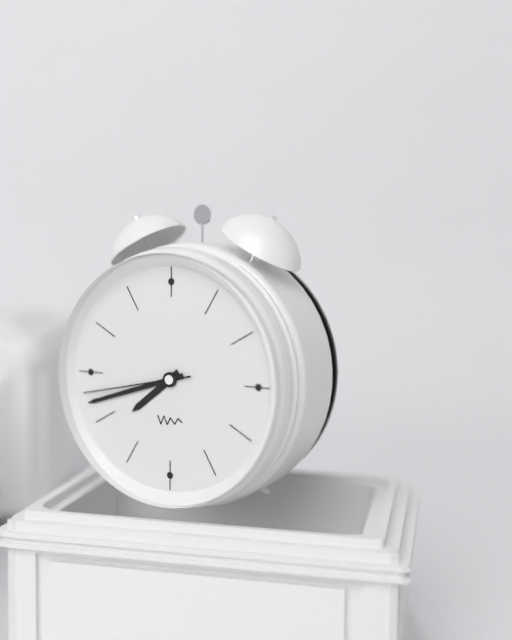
7.42.43
